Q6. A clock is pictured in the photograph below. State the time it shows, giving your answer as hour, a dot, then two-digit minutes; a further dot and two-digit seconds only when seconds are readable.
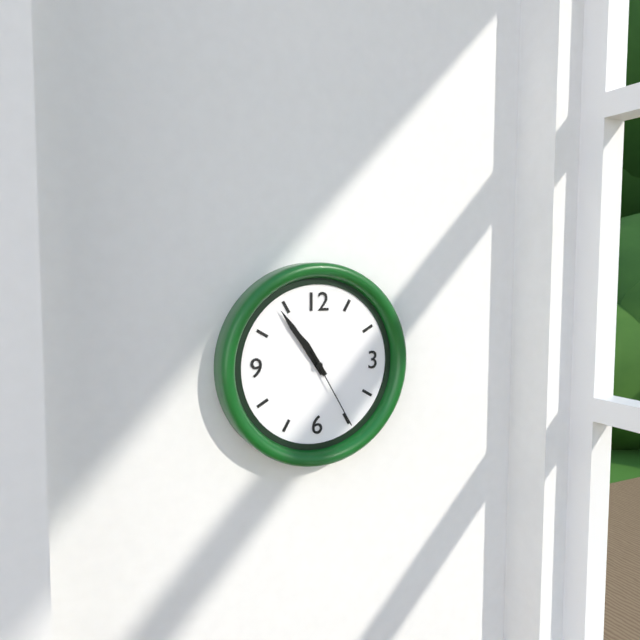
10.54.25
